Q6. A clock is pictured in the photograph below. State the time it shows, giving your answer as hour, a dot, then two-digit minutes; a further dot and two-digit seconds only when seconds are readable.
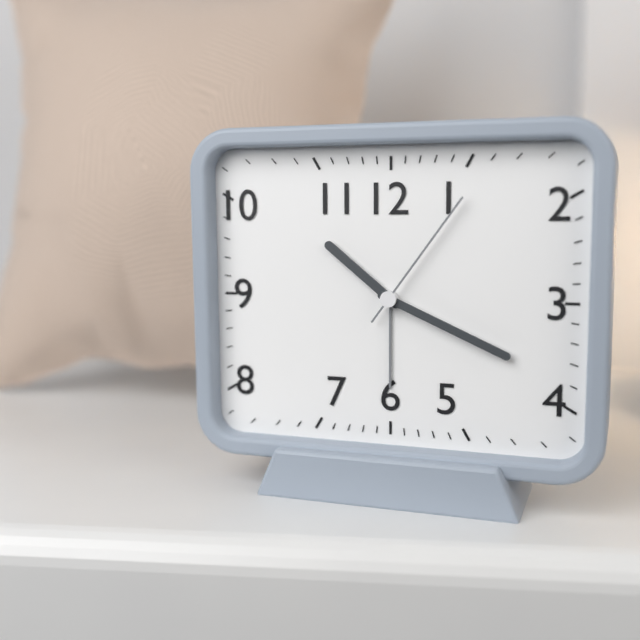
10.19.06
